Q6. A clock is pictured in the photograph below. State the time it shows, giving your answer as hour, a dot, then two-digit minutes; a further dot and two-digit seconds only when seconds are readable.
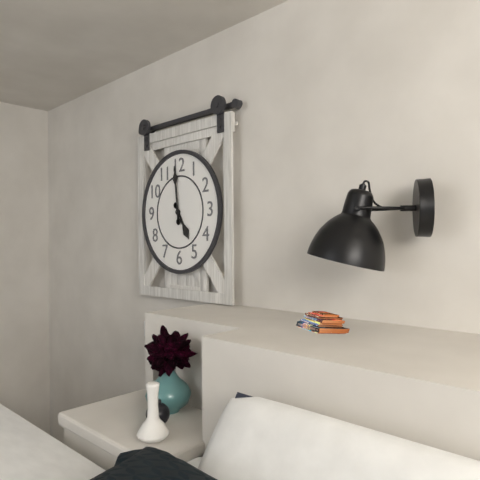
4.59
